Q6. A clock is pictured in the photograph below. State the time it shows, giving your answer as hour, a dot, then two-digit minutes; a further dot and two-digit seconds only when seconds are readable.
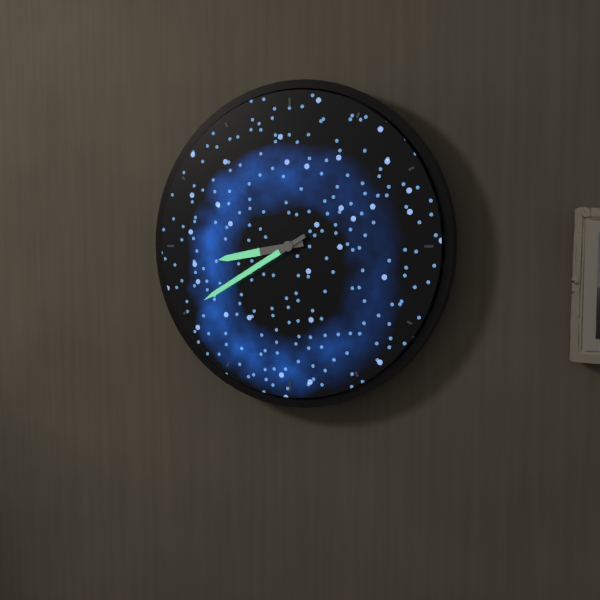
8.40
